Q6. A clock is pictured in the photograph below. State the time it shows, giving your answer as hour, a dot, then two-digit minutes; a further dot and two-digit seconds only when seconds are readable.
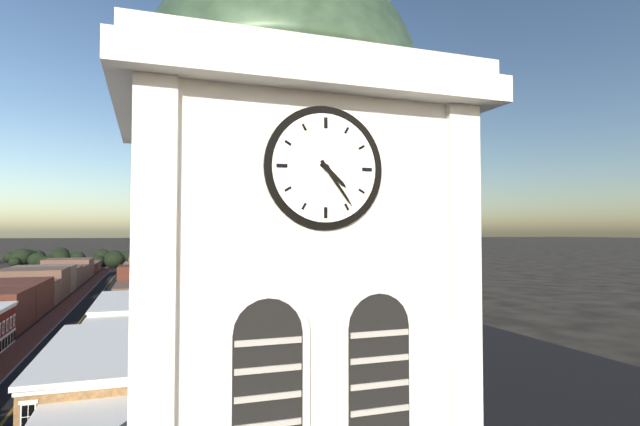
4.24
